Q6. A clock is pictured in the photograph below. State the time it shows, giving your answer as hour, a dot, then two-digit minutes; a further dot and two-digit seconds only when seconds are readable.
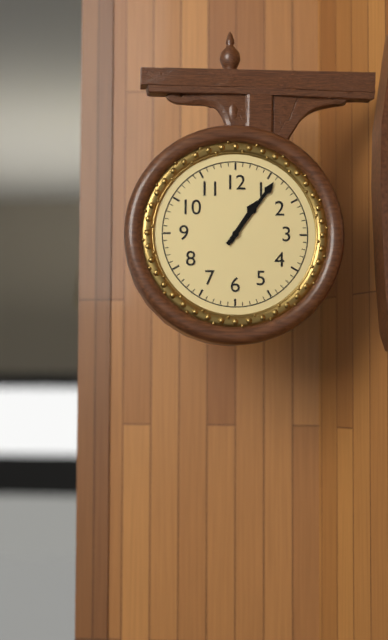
1.06
